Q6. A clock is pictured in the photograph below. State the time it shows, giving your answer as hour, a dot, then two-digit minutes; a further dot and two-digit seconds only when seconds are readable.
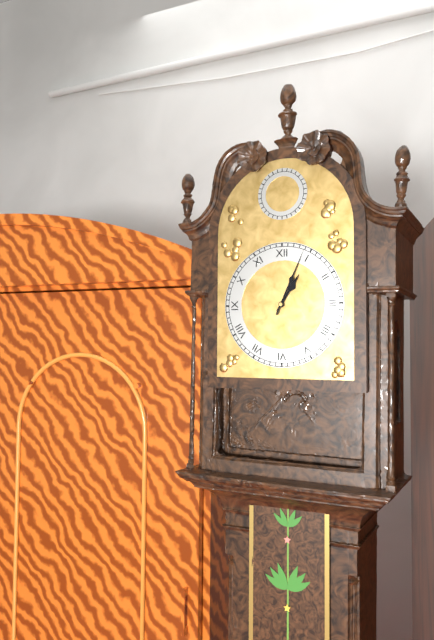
1.04
